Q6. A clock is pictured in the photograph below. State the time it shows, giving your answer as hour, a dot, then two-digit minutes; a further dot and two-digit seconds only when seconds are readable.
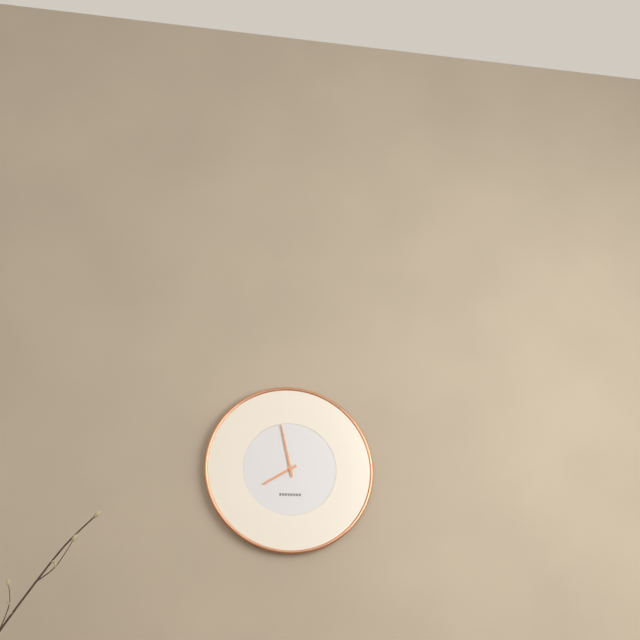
7.58
